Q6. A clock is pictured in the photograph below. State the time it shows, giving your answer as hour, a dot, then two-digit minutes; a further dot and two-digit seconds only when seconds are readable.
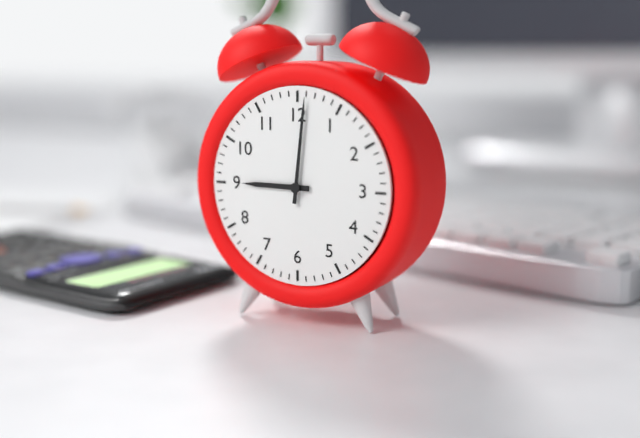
9.01
